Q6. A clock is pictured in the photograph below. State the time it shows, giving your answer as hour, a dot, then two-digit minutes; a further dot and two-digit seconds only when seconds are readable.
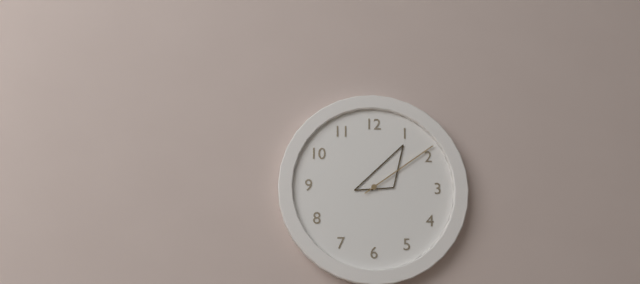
1.09
